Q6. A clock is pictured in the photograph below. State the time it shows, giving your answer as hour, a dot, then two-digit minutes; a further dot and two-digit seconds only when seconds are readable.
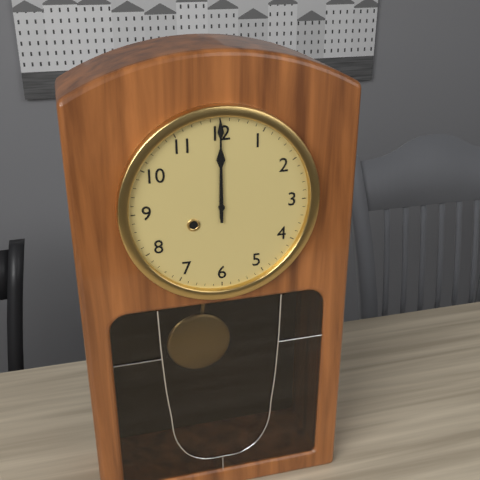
12.00
